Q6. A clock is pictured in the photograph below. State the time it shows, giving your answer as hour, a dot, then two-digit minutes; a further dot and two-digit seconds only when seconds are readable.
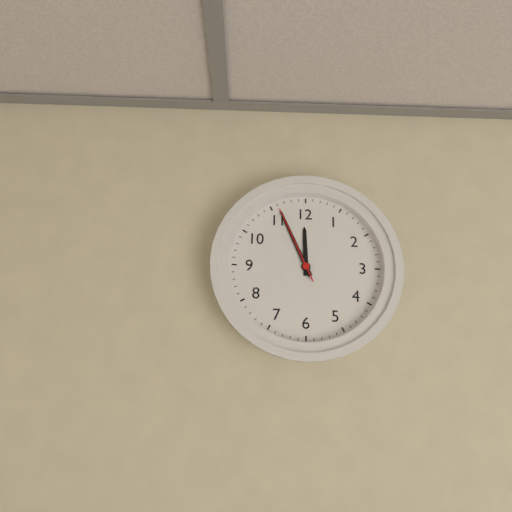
11.56.56
